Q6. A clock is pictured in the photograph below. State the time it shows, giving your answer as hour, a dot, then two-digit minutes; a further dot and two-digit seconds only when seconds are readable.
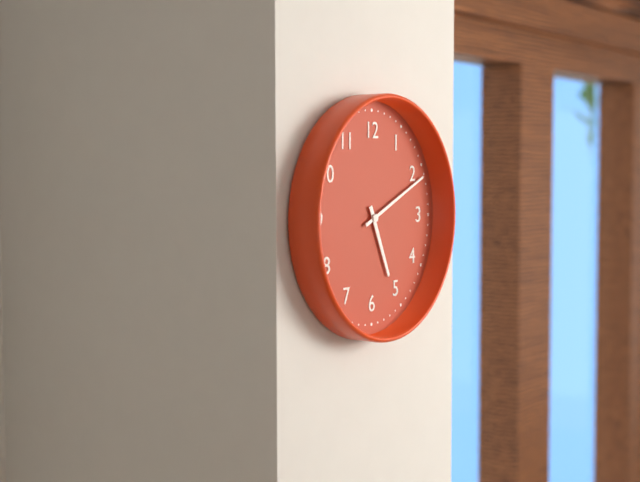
5.11
